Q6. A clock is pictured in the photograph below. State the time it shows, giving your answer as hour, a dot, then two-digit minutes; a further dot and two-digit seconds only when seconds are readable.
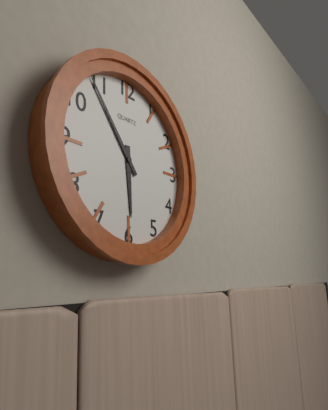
5.54
